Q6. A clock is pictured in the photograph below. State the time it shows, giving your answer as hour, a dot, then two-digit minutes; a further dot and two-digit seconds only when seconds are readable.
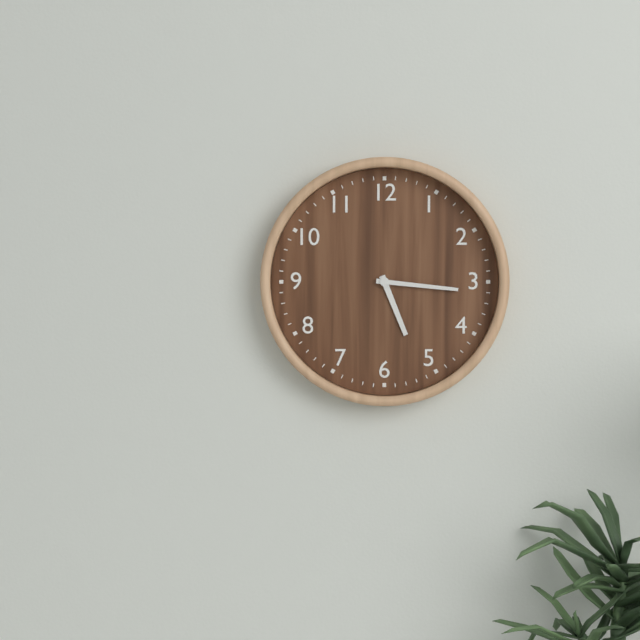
5.16
